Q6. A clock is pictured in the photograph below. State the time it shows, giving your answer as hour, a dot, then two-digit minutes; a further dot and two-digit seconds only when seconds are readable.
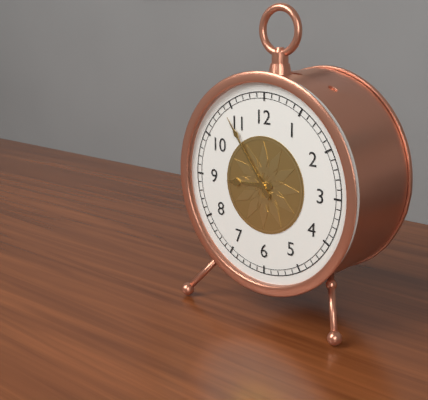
8.54
